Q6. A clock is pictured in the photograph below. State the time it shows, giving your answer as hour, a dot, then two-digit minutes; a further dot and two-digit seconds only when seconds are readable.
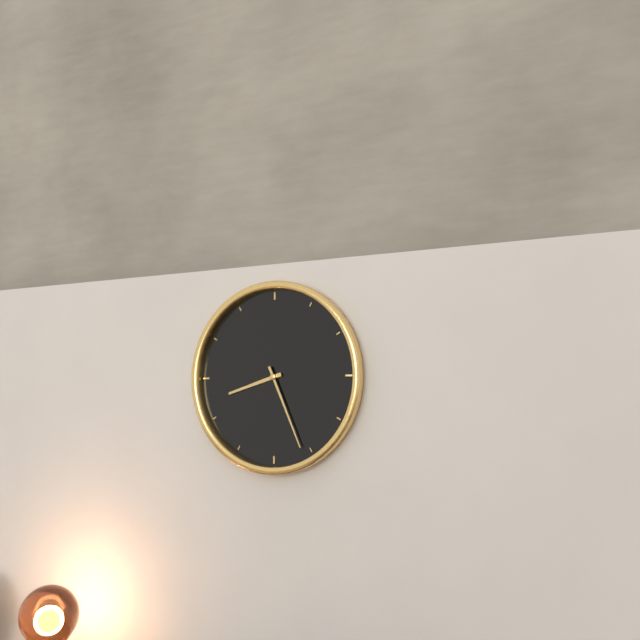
8.26
